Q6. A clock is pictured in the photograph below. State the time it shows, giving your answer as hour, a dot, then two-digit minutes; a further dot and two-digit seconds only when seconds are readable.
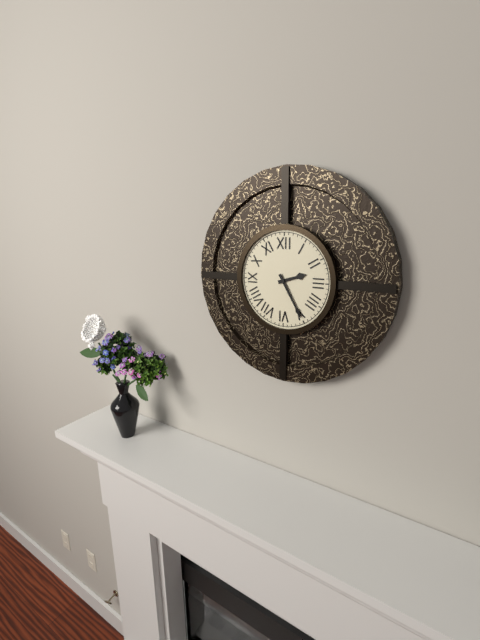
2.25
